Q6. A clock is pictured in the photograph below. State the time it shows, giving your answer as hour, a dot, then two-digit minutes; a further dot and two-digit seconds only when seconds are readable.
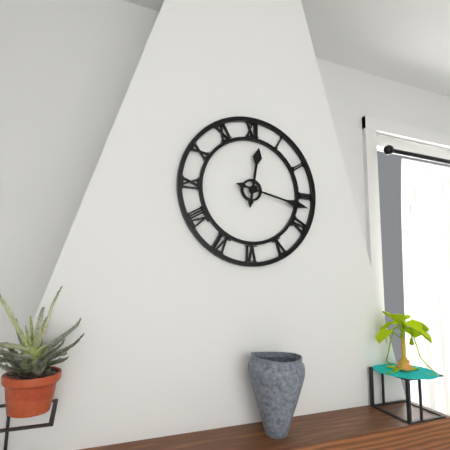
12.17
